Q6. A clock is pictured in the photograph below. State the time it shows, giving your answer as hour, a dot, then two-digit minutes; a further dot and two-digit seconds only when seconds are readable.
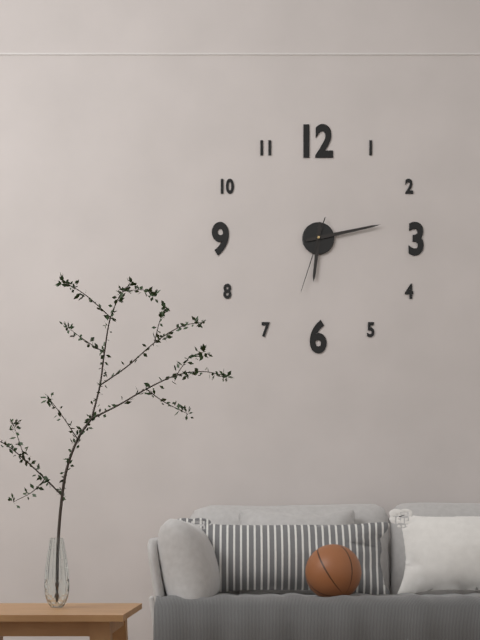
6.13.33
